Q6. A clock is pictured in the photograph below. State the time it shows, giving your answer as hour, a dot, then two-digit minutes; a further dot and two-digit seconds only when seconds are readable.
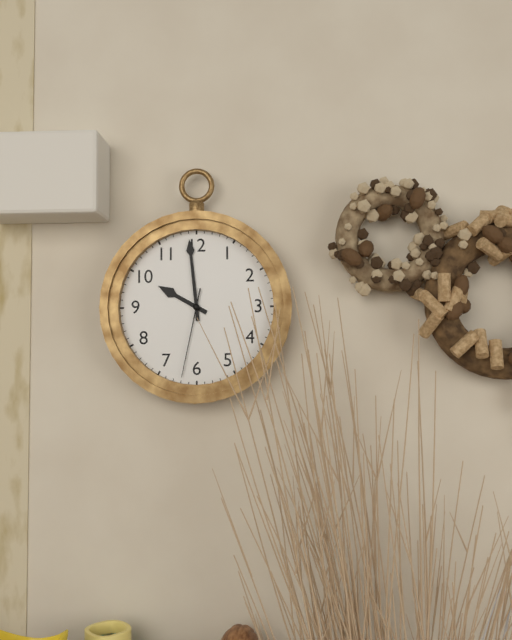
9.59.32
